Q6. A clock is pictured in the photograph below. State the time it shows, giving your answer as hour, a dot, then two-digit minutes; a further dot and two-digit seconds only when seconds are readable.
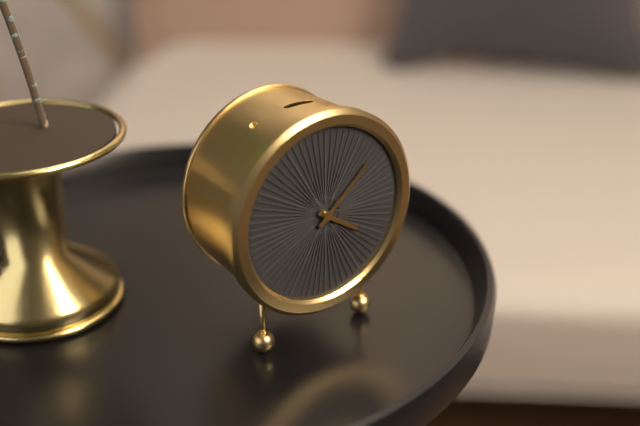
4.08
